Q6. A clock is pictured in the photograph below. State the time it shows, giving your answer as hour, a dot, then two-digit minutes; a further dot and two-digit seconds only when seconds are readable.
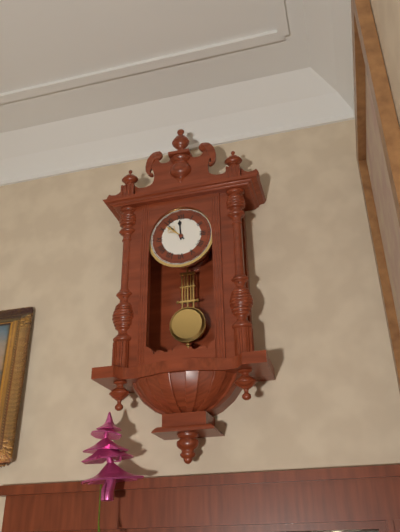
11.53
